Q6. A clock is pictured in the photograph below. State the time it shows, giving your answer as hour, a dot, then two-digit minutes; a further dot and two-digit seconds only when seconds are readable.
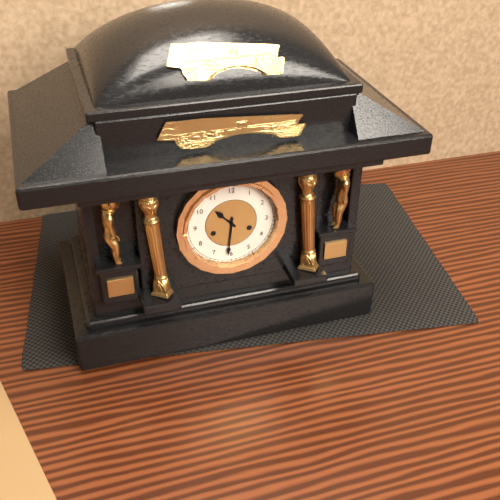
10.31
